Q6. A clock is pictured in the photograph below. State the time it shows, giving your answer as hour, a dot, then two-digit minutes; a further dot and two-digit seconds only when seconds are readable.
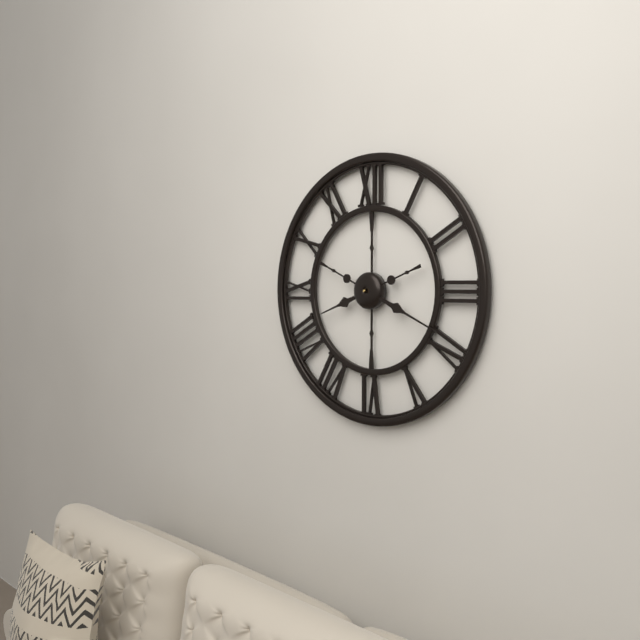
8.19
